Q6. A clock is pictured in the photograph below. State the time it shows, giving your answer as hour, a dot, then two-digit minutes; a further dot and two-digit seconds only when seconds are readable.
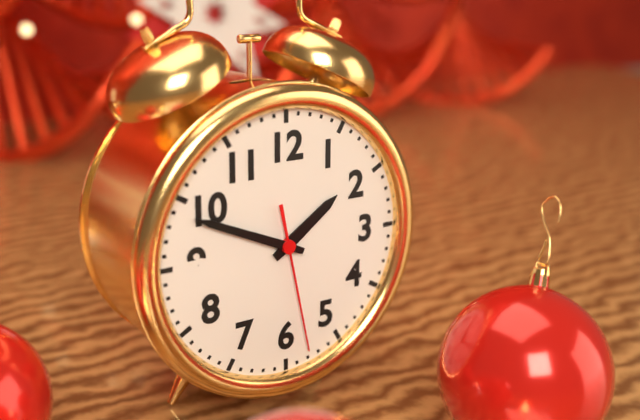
1.49.28
